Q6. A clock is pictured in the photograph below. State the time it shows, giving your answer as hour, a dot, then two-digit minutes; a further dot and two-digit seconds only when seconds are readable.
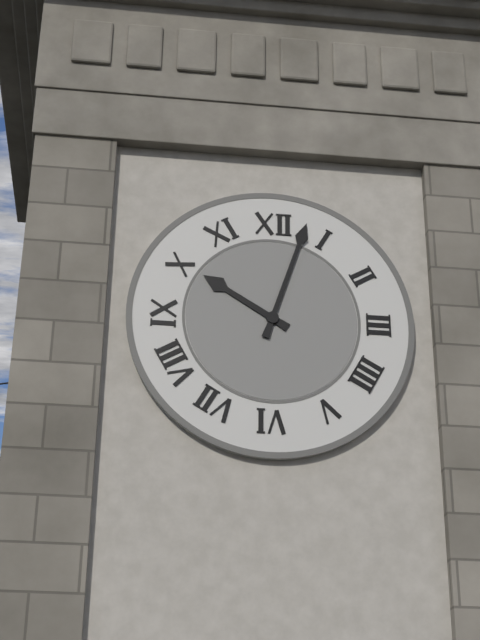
10.03
